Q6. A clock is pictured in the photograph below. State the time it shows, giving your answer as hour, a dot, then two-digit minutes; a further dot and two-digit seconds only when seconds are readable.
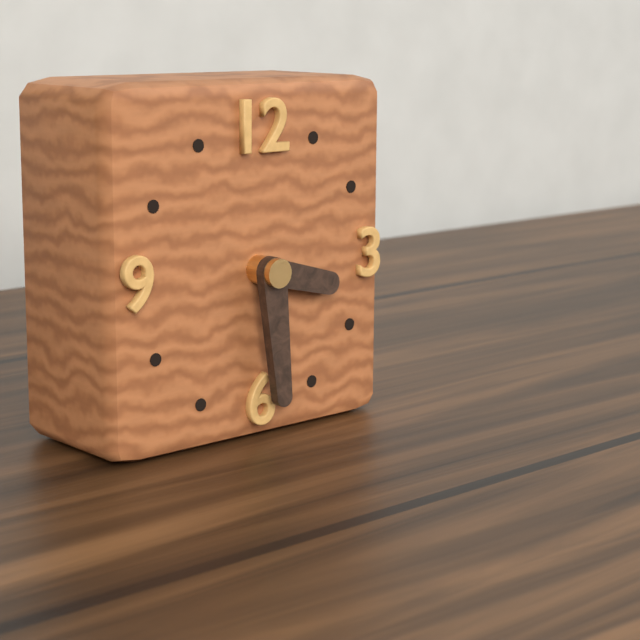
3.29
